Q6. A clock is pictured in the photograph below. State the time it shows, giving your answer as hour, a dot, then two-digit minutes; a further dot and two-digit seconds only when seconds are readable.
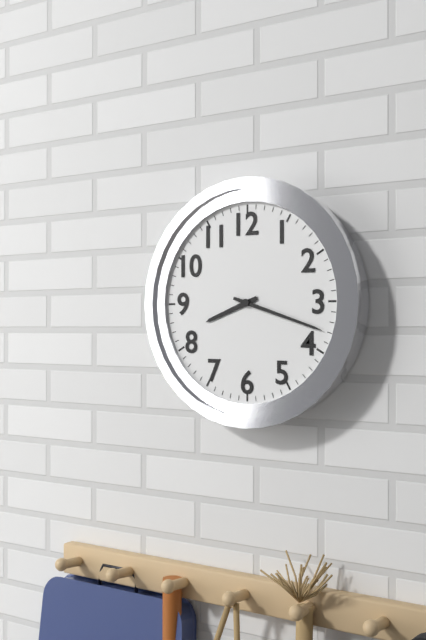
8.18
